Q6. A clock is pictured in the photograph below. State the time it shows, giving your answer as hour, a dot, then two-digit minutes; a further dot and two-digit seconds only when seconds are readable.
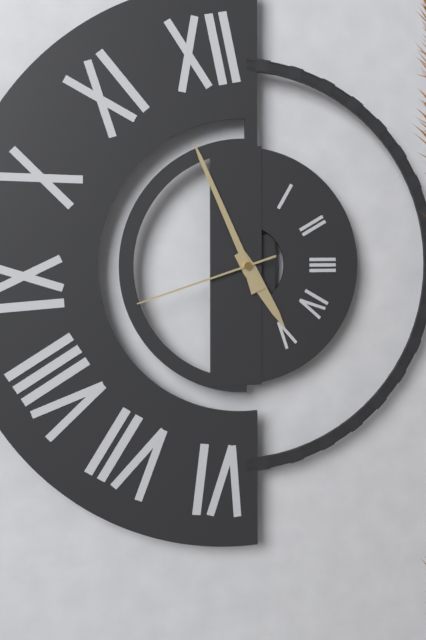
4.56.42
